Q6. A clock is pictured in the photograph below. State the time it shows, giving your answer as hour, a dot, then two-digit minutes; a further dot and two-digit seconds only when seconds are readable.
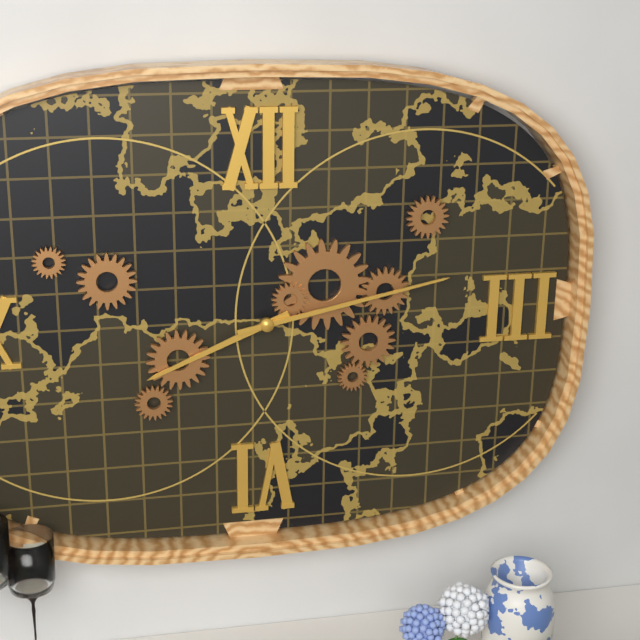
8.13
